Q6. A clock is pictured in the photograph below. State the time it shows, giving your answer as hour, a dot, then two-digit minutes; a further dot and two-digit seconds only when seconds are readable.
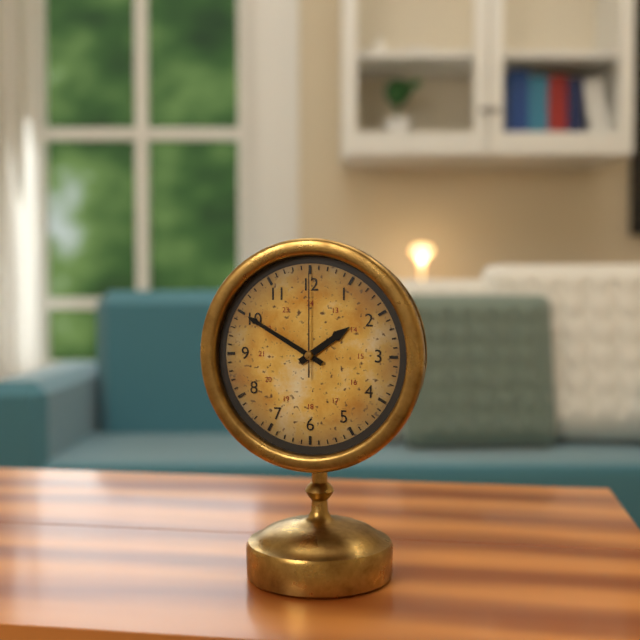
1.50.00
